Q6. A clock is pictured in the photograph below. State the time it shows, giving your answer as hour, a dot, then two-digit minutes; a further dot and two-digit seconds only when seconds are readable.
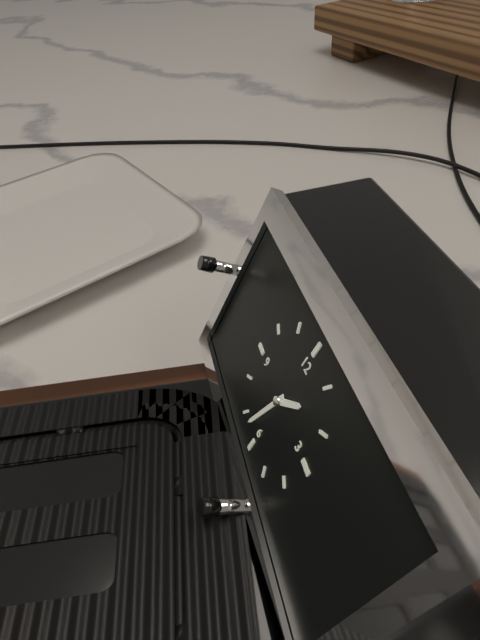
1.33
